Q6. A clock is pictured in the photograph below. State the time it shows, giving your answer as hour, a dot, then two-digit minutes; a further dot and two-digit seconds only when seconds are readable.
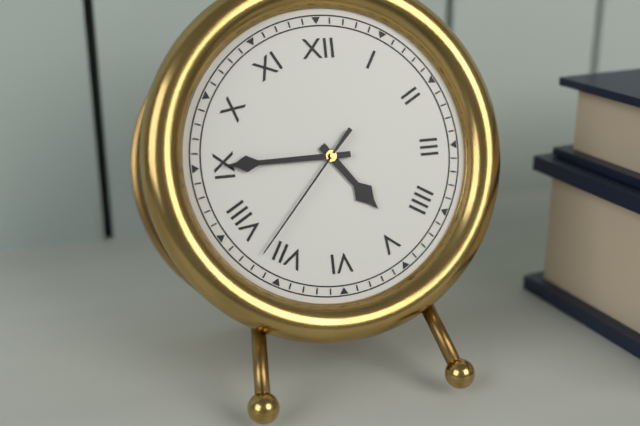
4.45.37
